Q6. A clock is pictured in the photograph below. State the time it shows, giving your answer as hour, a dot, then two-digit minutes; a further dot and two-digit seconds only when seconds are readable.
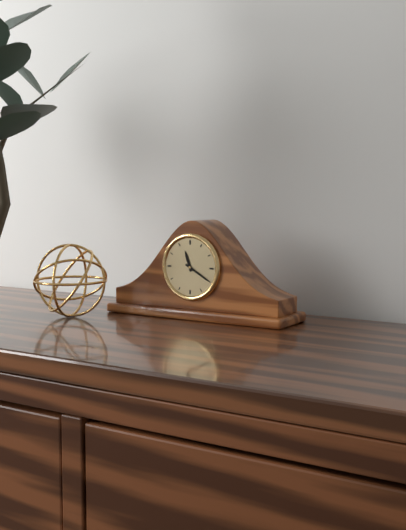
11.20
